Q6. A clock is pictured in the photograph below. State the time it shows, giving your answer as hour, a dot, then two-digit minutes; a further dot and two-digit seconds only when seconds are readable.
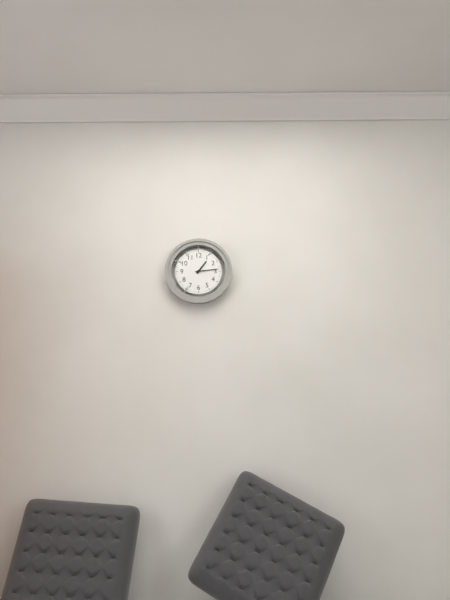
1.14
